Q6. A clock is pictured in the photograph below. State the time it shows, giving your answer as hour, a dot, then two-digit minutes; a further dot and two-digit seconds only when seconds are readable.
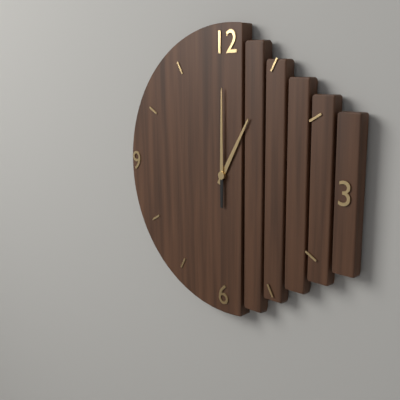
1.00
